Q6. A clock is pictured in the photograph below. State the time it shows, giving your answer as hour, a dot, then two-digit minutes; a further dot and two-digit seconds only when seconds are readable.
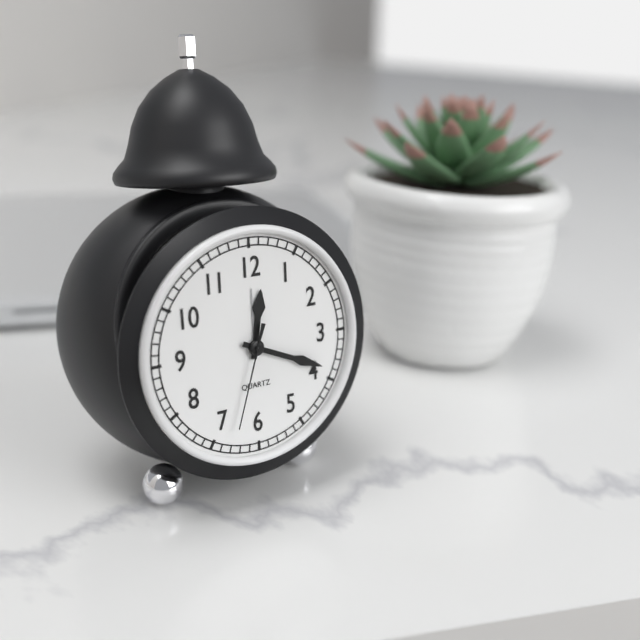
12.19.33
